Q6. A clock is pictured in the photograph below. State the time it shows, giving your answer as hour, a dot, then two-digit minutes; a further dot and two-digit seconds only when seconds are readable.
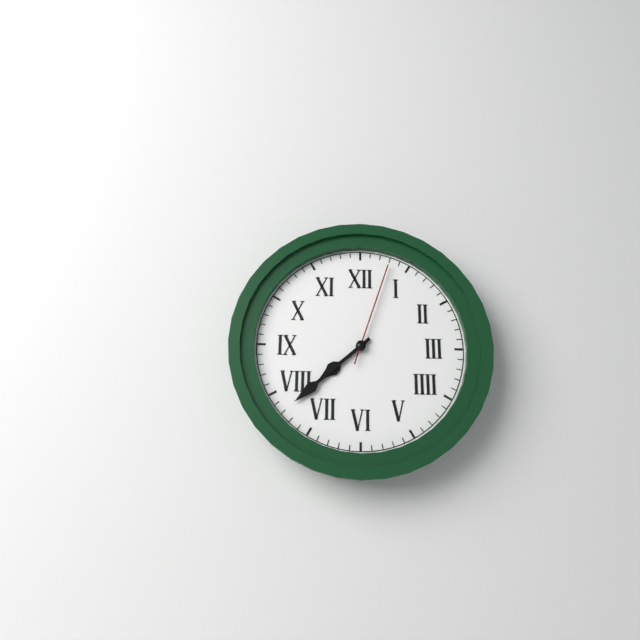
7.38.03
